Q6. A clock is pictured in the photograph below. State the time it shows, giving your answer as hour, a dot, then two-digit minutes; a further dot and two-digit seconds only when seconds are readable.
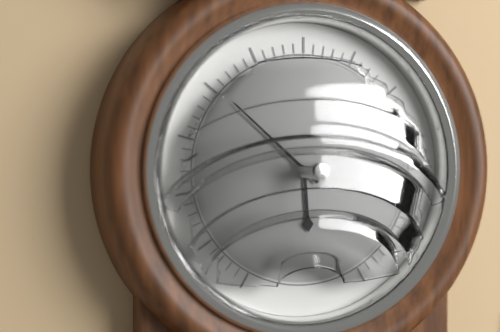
5.52
